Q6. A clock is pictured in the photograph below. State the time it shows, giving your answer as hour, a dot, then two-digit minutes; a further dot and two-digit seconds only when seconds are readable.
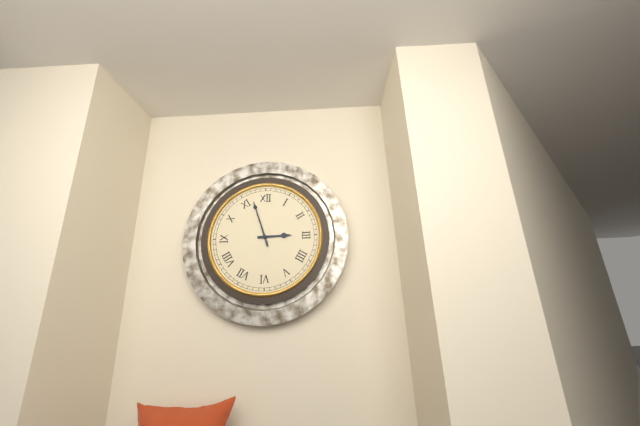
2.57
